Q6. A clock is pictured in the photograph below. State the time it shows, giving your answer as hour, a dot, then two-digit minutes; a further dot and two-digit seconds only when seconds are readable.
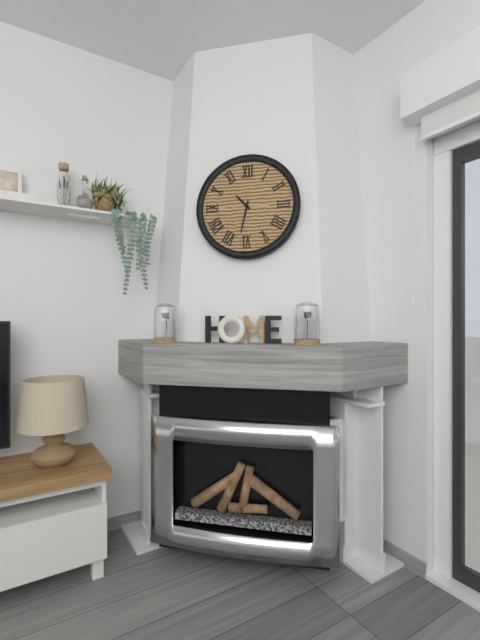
10.32
